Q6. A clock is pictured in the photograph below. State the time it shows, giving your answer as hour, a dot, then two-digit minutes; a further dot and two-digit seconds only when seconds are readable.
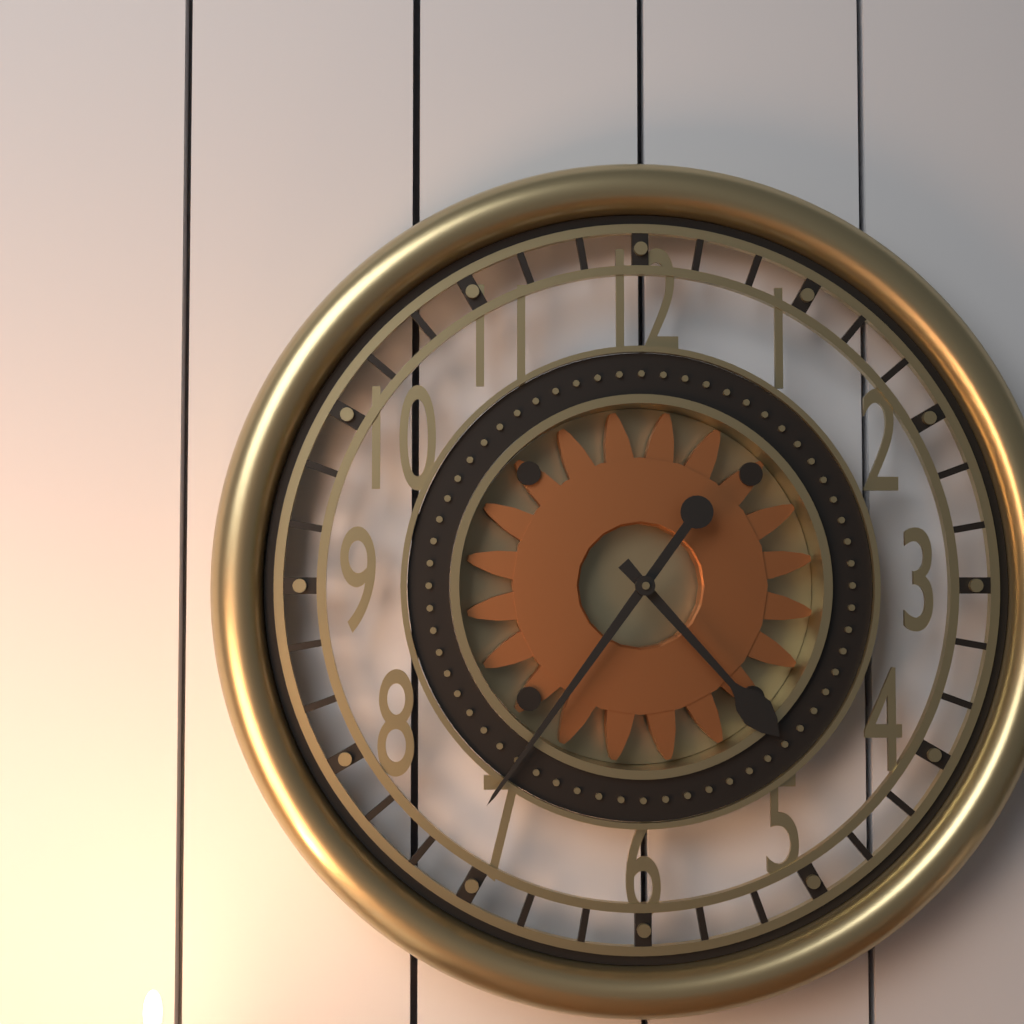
4.36
